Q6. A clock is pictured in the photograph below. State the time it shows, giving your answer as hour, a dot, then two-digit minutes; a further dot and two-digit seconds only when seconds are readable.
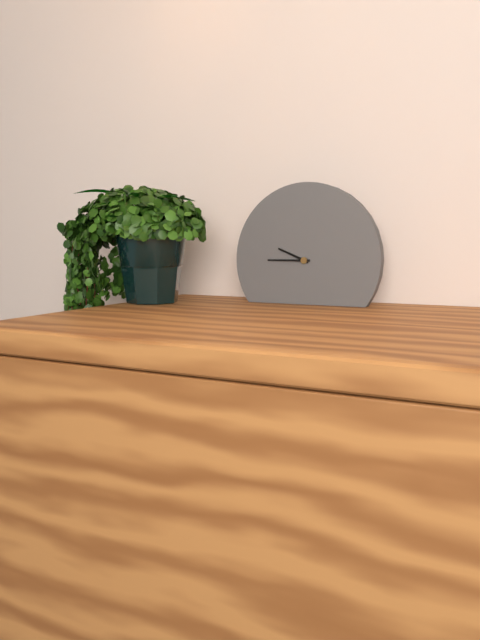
9.45
